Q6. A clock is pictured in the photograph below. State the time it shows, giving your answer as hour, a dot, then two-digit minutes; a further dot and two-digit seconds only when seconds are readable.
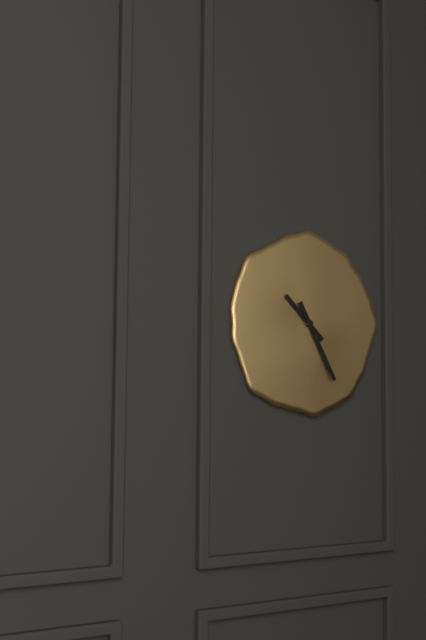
10.25
